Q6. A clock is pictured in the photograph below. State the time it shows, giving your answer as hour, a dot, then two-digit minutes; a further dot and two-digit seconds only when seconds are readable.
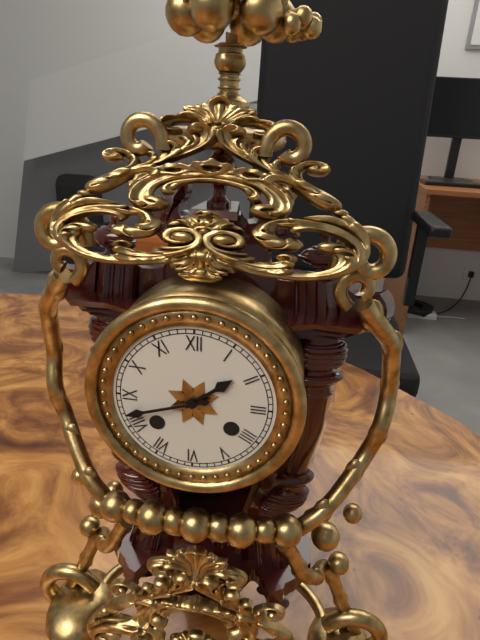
1.42
